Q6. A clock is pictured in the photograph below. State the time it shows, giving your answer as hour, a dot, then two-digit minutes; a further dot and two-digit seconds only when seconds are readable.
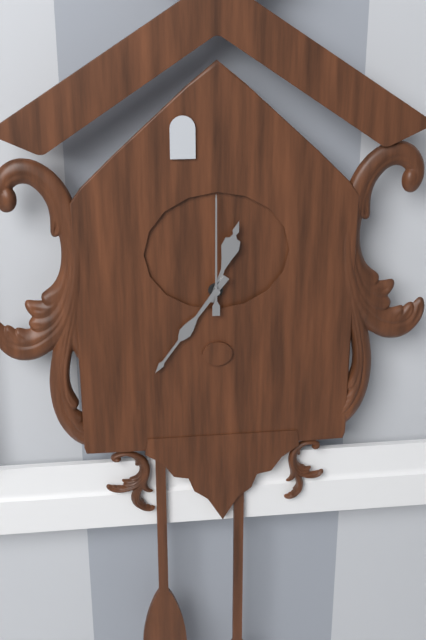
12.36.00
